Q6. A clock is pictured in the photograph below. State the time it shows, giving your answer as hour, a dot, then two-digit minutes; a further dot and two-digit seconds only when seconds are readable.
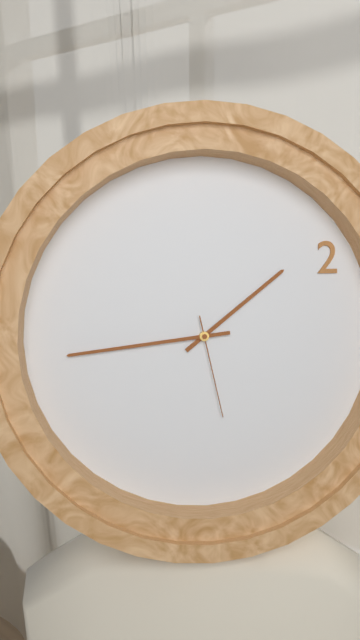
1.44.28
